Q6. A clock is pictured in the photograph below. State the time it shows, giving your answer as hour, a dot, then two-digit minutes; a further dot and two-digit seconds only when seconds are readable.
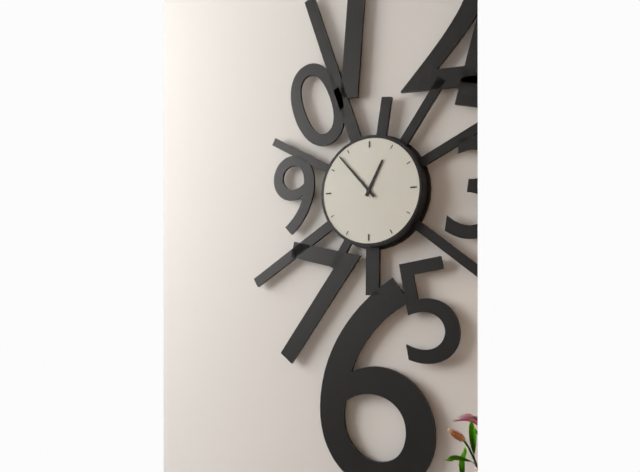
12.53
